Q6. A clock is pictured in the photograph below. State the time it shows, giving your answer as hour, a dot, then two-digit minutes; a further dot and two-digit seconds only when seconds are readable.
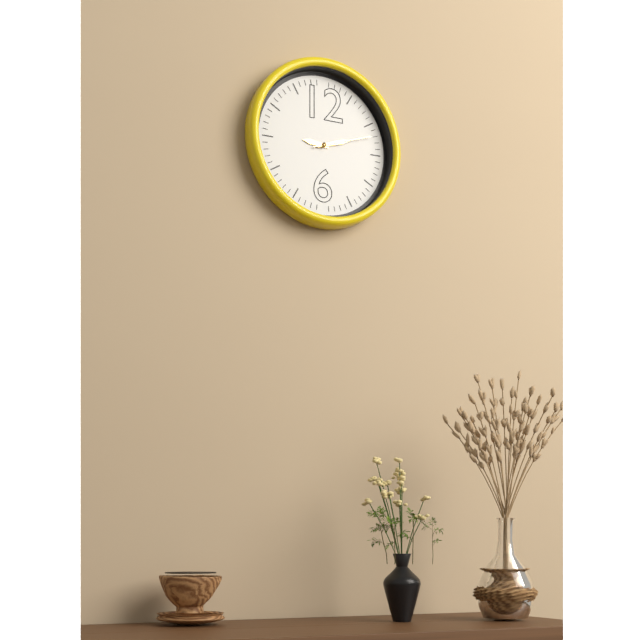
9.12.12
